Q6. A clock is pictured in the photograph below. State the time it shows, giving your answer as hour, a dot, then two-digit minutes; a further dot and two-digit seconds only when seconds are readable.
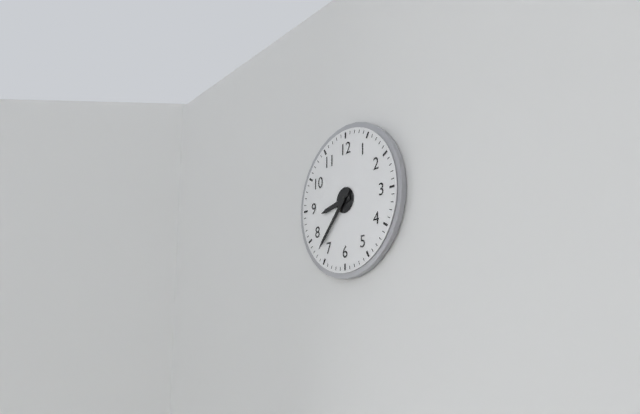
8.37
